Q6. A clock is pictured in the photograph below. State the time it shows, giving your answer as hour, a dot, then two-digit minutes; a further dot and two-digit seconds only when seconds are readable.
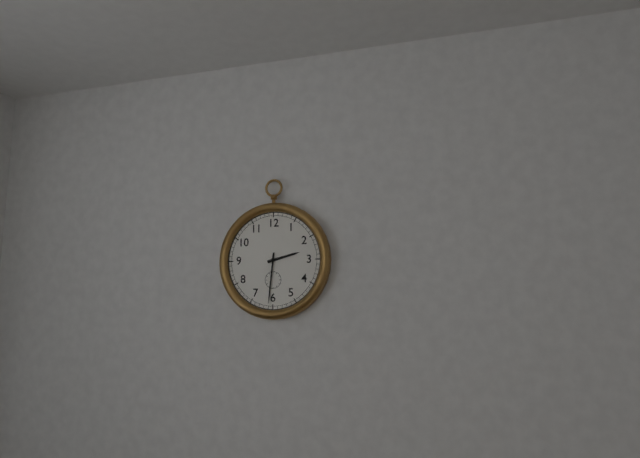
2.31
